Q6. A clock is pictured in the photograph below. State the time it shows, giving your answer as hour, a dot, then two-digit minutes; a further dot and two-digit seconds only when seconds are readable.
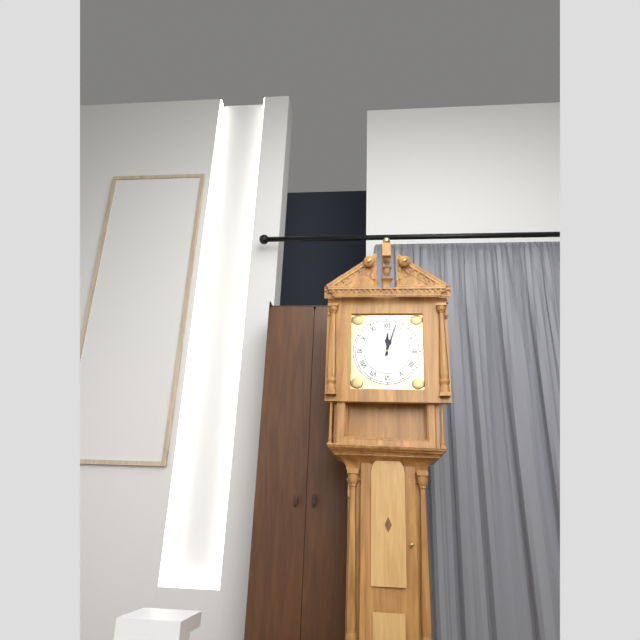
12.03
